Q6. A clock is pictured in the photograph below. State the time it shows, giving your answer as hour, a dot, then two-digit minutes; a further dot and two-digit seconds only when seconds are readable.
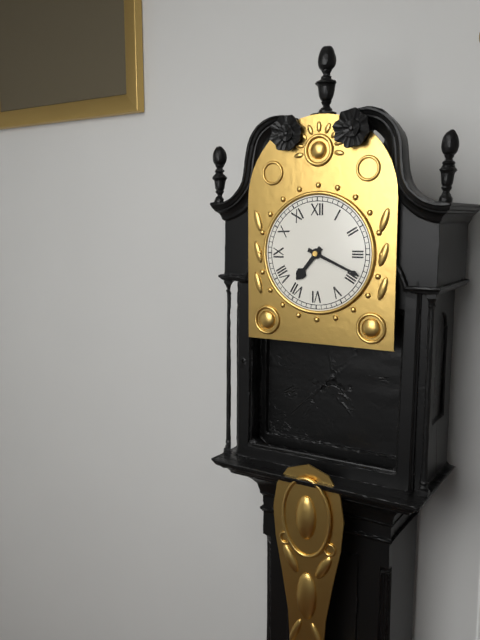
7.19
